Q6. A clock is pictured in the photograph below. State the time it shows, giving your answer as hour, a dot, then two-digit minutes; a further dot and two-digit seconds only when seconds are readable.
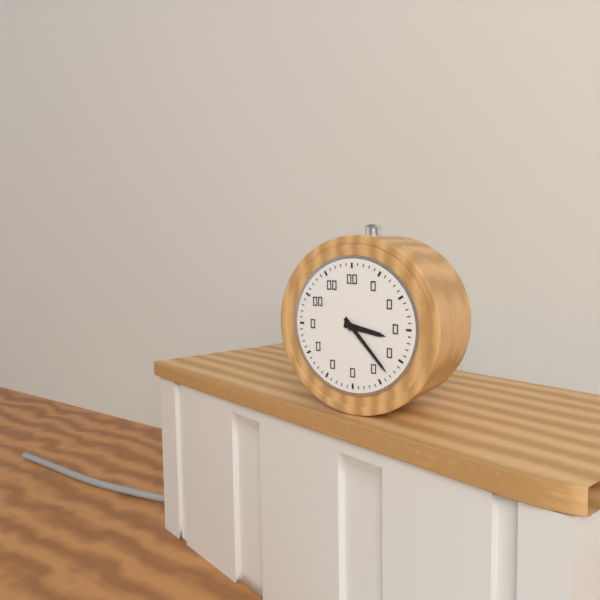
3.23
